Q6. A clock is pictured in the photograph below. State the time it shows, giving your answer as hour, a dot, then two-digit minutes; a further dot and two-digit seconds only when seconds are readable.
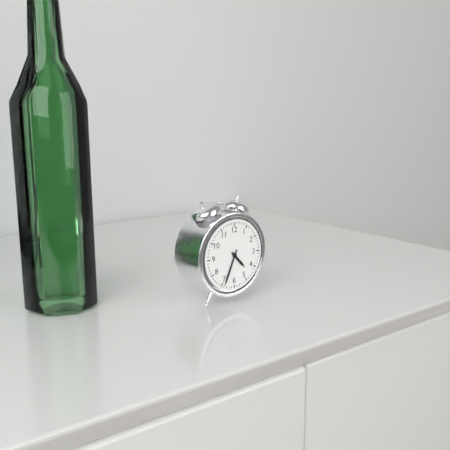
4.34
